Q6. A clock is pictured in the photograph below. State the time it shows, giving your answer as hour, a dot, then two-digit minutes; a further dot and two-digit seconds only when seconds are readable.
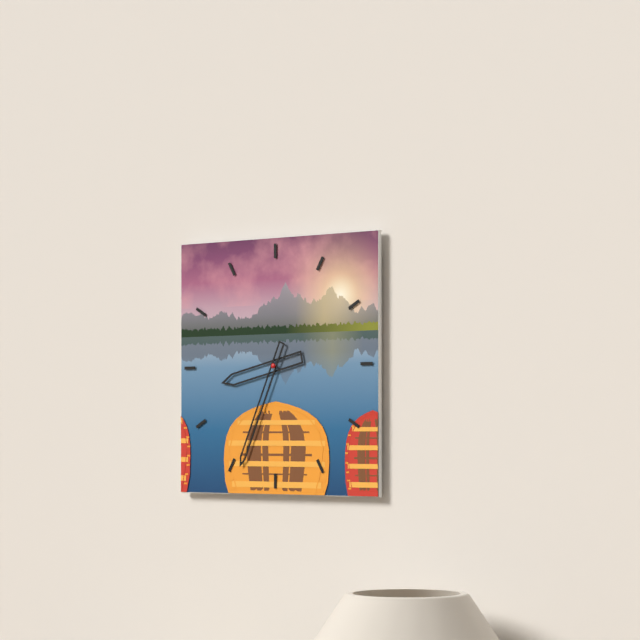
8.34
